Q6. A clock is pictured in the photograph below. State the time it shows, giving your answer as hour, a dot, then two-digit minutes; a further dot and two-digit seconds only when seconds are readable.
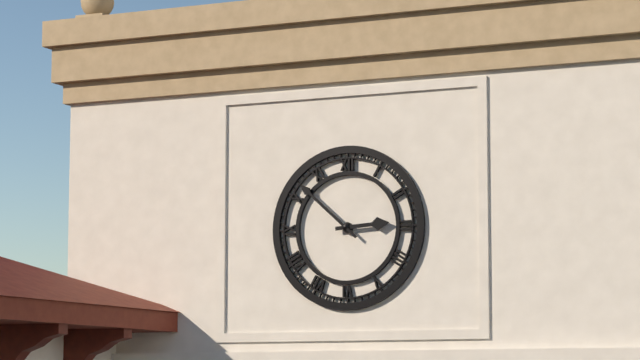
2.52
